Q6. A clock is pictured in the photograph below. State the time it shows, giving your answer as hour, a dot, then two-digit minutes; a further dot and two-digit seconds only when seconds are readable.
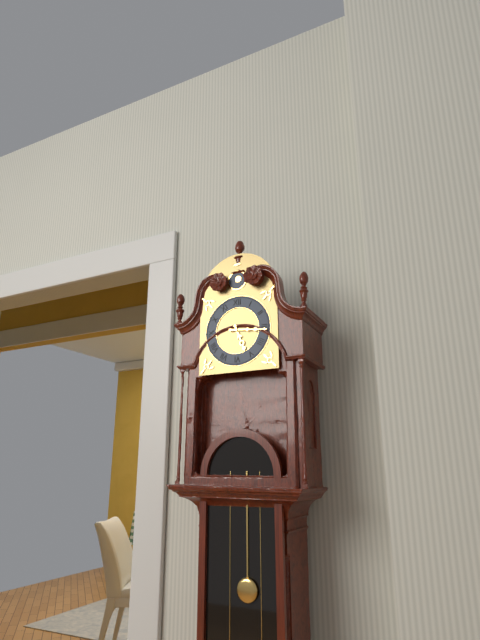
5.16
